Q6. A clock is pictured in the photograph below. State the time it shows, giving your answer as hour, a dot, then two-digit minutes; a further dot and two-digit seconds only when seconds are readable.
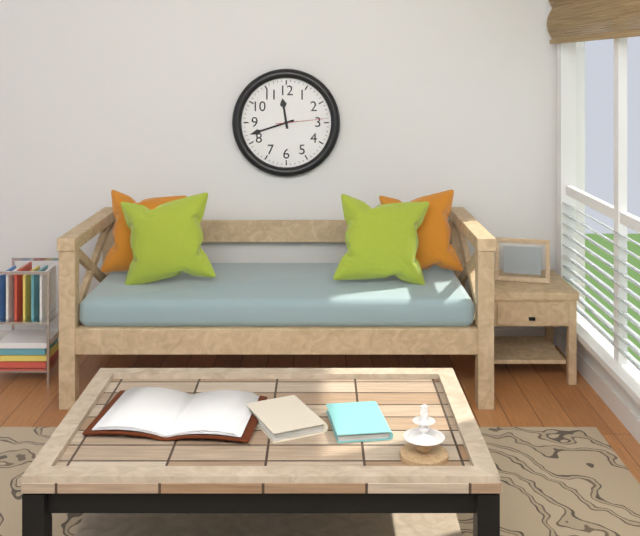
11.42.14
